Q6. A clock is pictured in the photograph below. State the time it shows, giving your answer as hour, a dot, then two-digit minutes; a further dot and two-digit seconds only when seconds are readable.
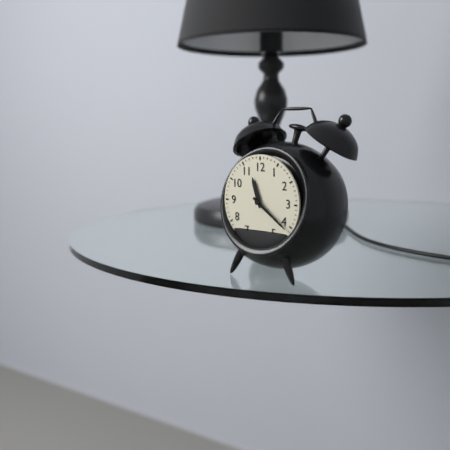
11.21
